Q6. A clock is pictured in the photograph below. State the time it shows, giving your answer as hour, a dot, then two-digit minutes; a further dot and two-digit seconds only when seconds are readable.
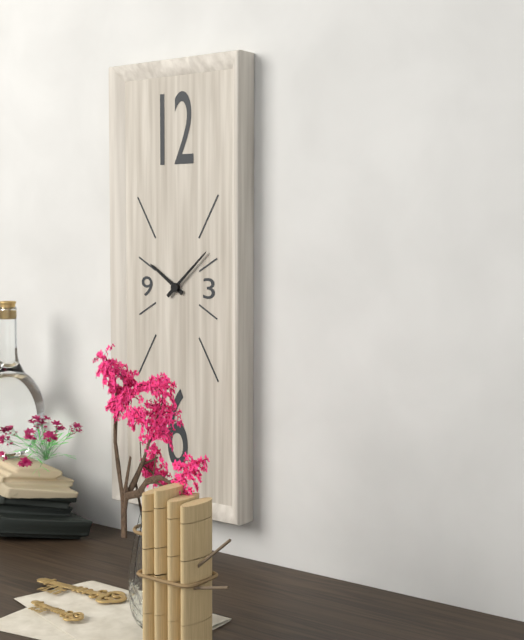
10.08
